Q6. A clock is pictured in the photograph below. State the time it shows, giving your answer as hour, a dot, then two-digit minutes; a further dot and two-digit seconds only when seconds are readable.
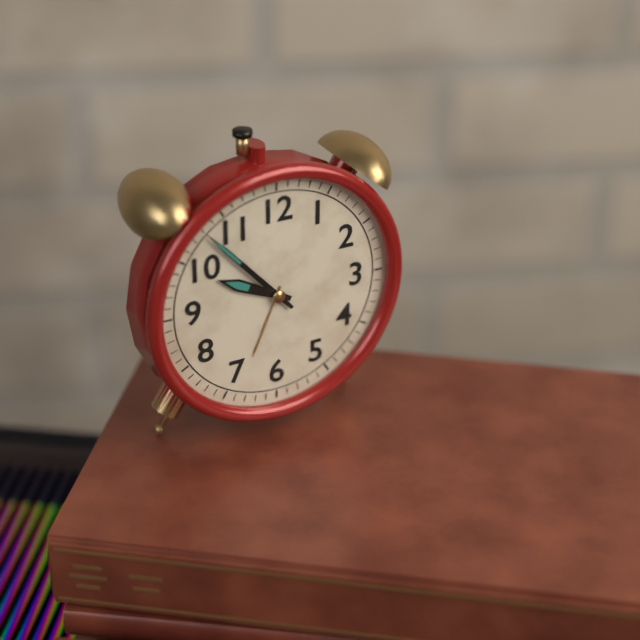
9.53
